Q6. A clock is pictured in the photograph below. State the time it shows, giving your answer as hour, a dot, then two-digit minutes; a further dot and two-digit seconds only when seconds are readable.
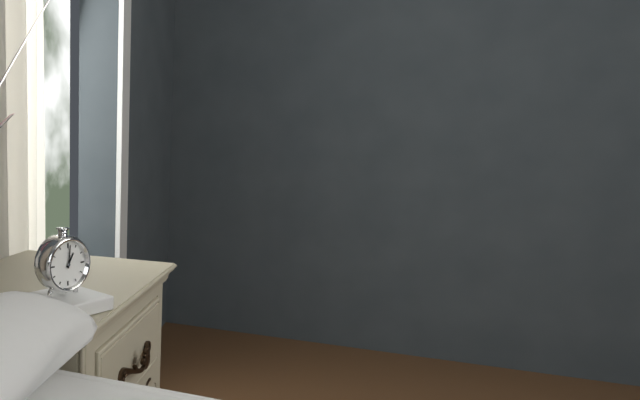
1.01
